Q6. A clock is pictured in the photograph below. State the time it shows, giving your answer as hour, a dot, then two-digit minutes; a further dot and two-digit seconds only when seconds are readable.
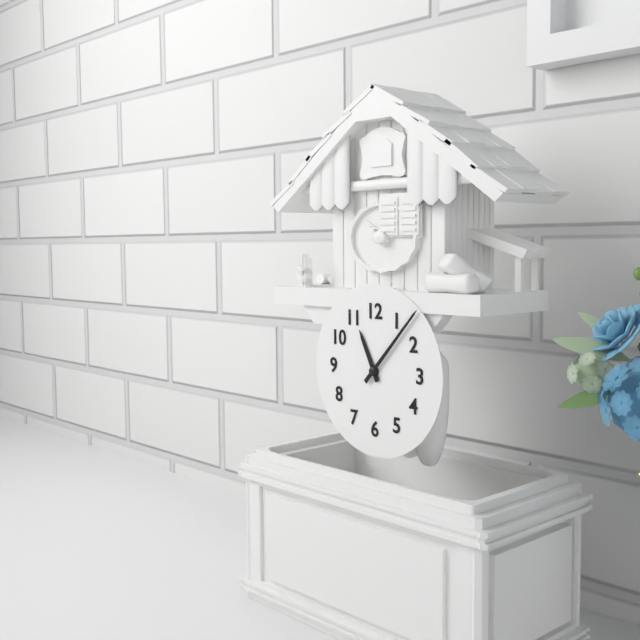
11.07
